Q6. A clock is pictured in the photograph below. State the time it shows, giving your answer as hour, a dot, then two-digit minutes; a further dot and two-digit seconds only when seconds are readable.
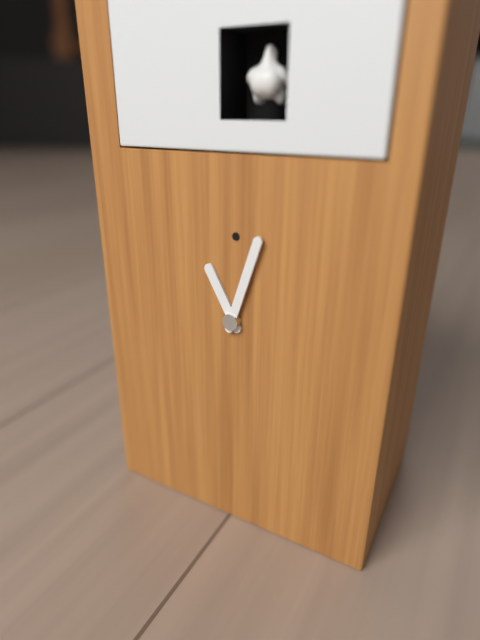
11.03
